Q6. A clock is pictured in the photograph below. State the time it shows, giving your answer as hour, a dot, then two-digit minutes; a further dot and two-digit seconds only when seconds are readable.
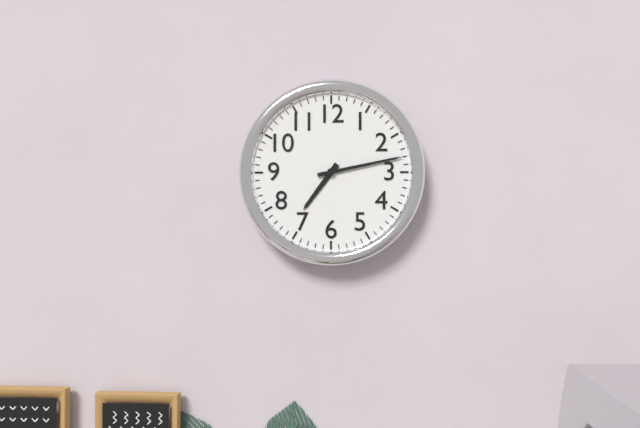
7.13
